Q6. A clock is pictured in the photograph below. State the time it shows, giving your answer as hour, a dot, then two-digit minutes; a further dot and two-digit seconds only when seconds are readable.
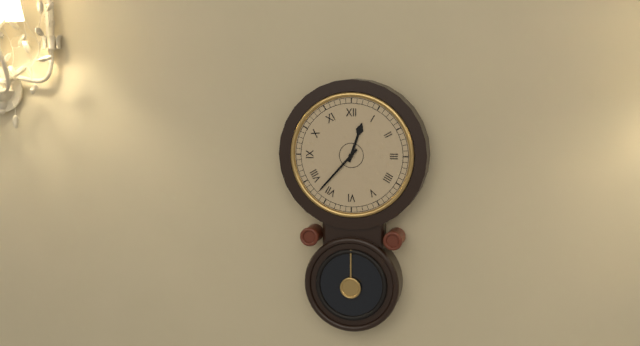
12.37
